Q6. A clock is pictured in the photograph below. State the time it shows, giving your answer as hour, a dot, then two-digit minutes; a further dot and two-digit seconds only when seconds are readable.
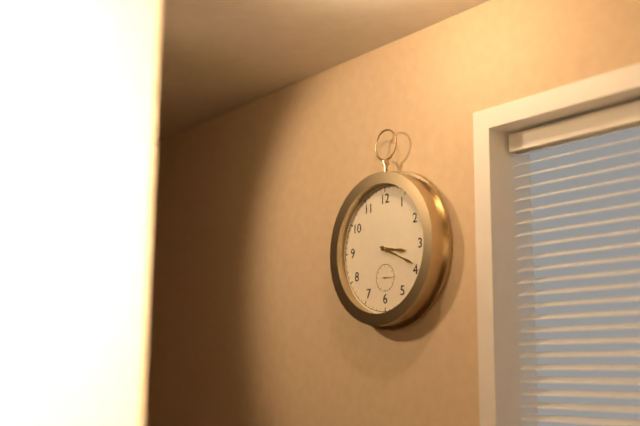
3.19
